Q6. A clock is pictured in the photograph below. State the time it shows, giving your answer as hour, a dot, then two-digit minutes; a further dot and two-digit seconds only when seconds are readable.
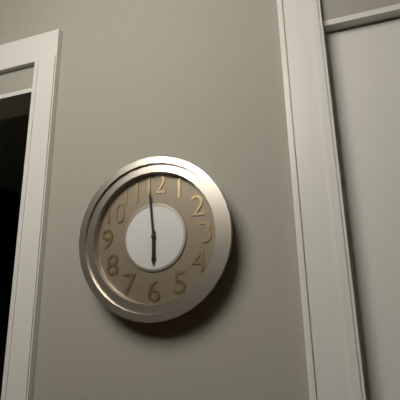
5.59
